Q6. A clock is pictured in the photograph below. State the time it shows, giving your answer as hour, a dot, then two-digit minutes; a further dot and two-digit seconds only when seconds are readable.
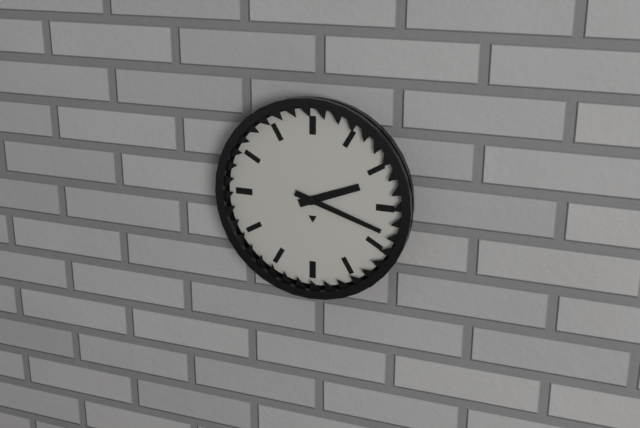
2.18
